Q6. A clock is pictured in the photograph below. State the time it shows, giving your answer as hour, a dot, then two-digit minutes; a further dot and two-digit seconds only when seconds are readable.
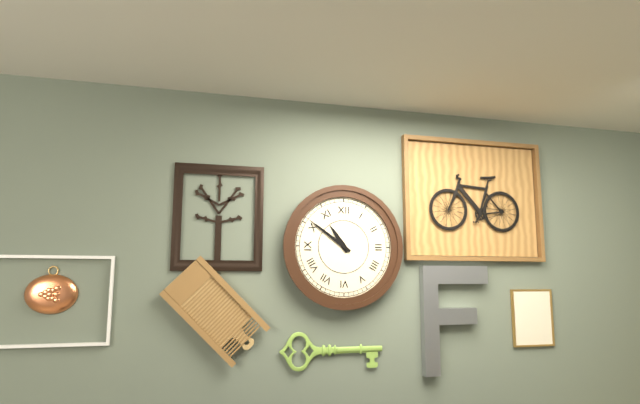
10.51
